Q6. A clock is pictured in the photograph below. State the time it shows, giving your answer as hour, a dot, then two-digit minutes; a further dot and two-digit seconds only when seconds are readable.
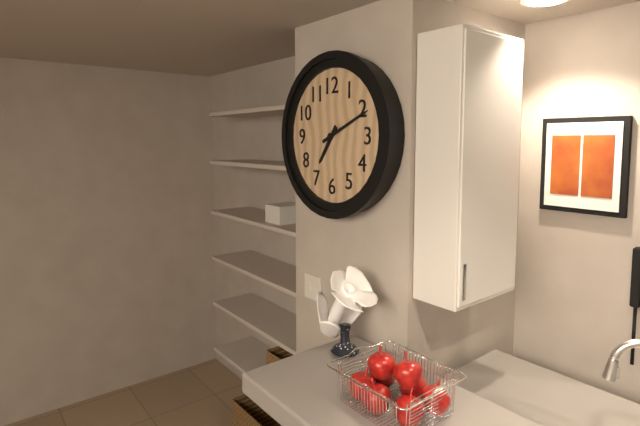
7.11
